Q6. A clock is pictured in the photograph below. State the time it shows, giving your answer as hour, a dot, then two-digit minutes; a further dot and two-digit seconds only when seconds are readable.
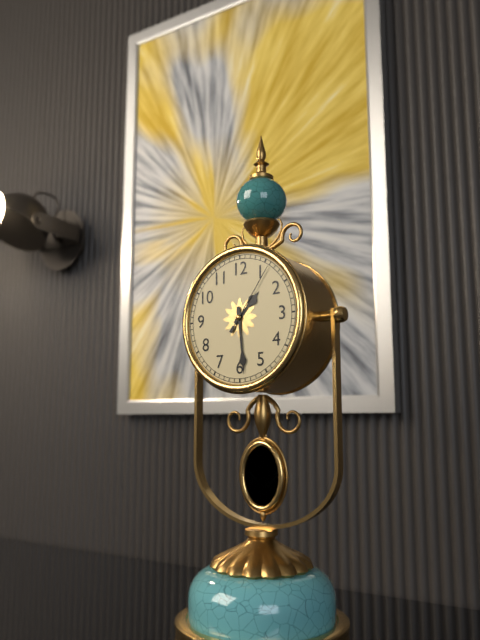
1.29.06
